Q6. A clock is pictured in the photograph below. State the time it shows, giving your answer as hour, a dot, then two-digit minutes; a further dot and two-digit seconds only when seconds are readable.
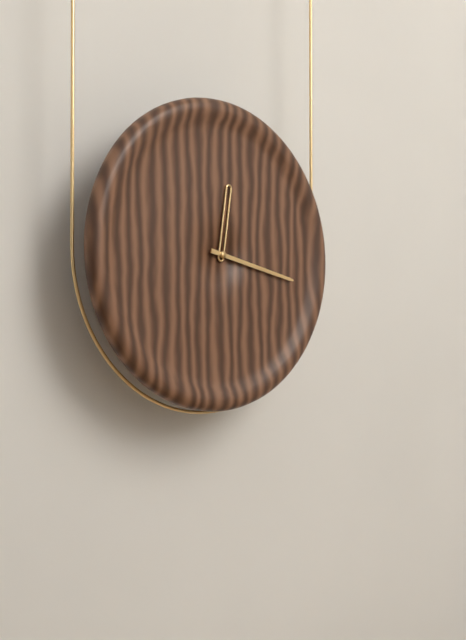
12.17
